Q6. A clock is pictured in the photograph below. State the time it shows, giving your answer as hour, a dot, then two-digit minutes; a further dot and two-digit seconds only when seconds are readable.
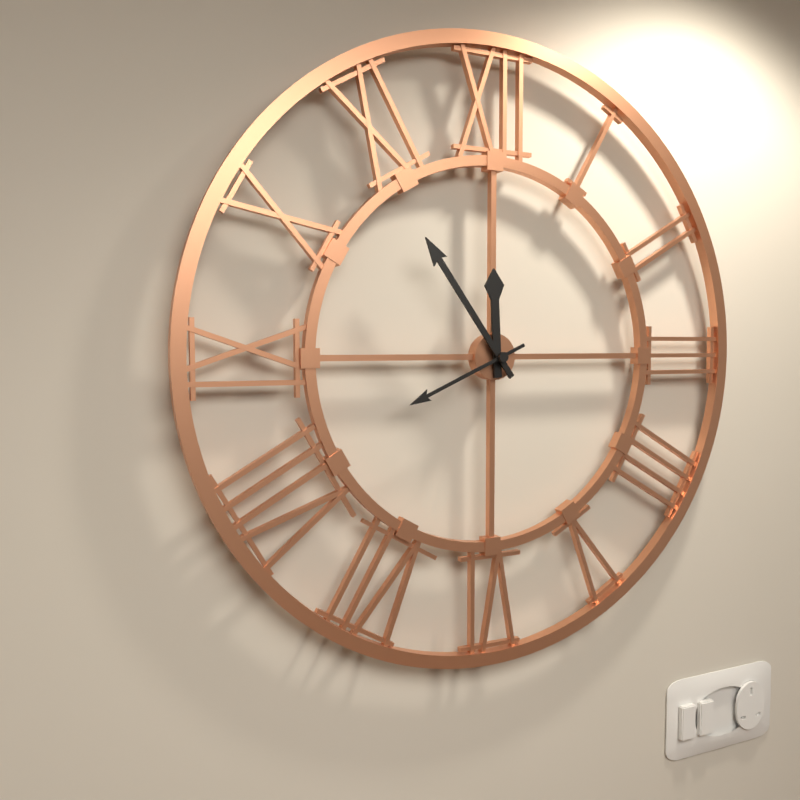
11.54.41
